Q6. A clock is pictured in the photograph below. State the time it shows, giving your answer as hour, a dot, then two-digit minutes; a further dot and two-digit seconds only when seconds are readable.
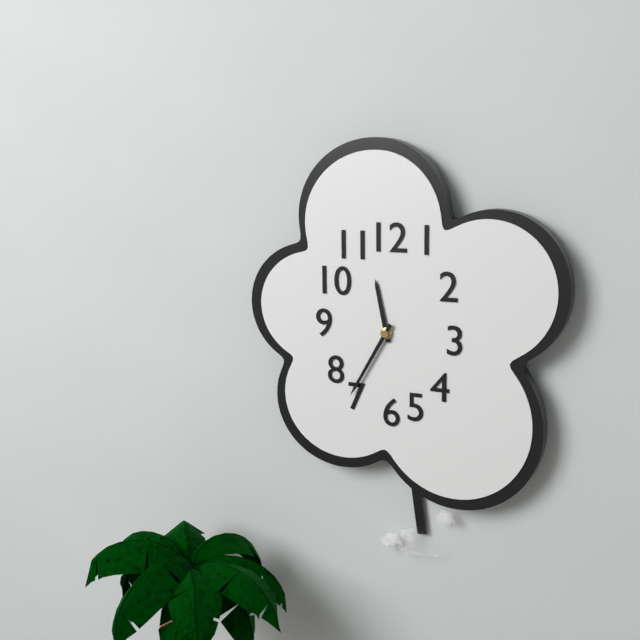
11.35
